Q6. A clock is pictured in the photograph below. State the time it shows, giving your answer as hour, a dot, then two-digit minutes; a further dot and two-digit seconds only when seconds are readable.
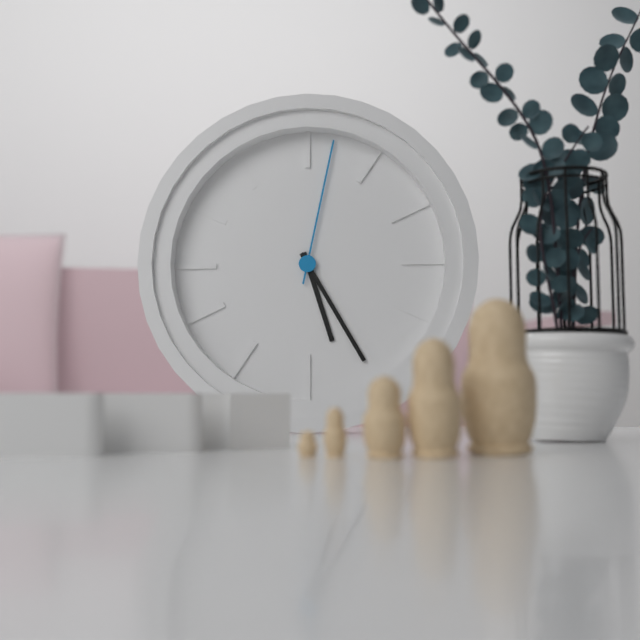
5.25.02
